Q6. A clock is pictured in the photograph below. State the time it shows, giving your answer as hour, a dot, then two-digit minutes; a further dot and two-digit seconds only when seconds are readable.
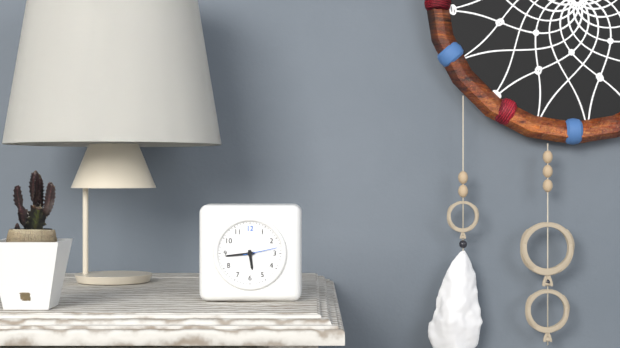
5.44
